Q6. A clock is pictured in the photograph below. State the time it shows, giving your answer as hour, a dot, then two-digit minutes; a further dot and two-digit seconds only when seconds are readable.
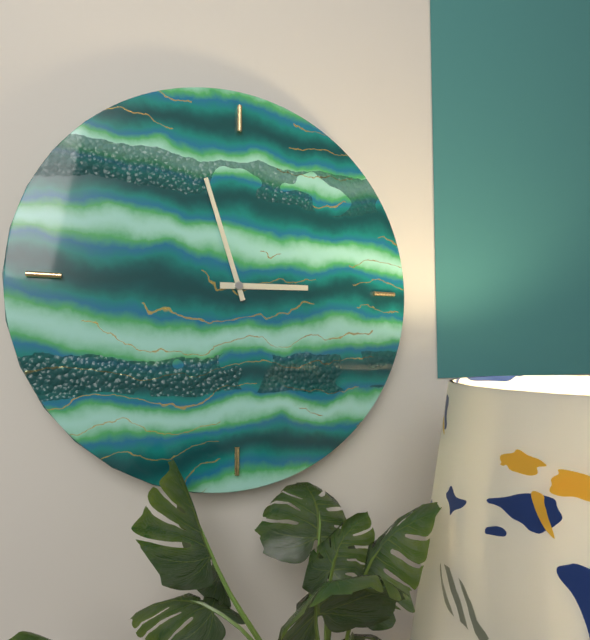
2.57
